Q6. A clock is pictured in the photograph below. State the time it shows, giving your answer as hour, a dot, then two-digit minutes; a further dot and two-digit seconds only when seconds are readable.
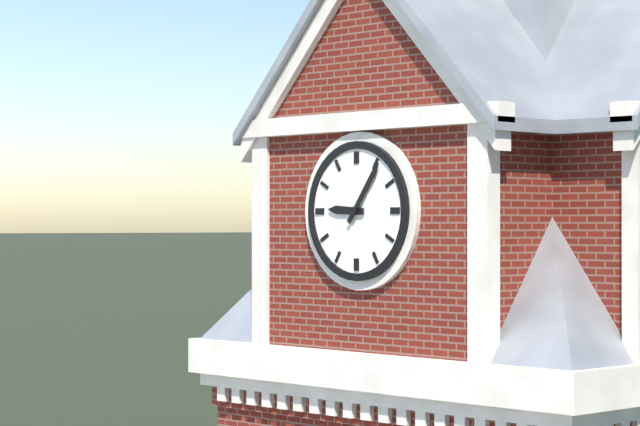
9.06
